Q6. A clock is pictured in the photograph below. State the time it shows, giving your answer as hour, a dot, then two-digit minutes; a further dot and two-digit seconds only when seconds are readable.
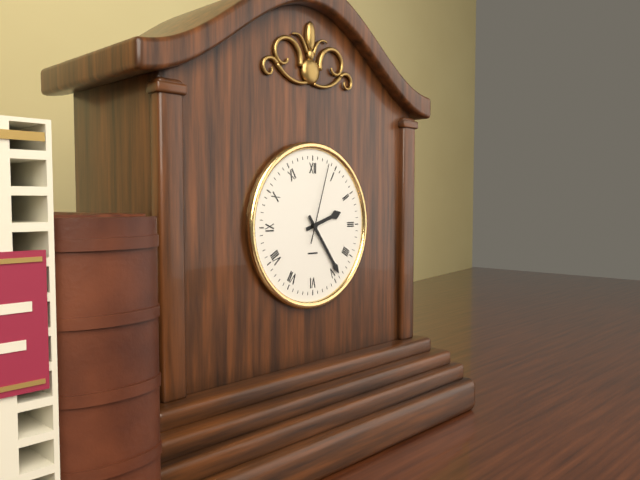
2.24.03
